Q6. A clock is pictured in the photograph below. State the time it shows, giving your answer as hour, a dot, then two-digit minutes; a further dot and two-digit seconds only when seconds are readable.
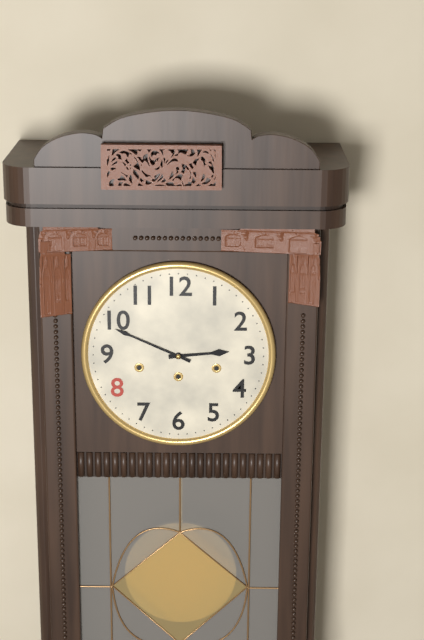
2.49
